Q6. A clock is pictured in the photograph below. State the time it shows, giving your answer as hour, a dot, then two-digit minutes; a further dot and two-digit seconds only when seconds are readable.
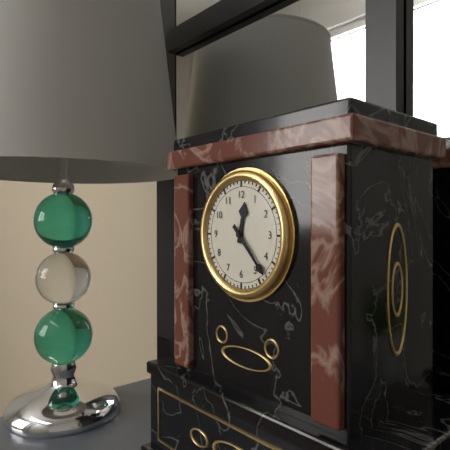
12.23
